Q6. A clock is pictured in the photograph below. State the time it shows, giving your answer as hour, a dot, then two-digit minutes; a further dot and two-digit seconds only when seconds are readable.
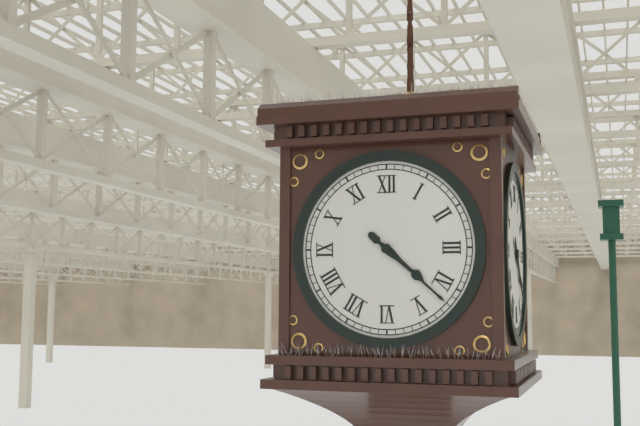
4.22
